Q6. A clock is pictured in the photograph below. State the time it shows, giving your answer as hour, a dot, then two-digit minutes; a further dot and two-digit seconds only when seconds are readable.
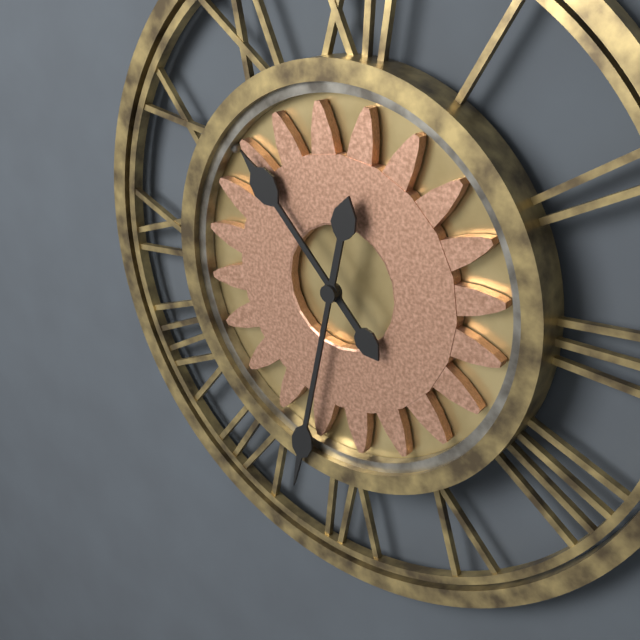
10.32
